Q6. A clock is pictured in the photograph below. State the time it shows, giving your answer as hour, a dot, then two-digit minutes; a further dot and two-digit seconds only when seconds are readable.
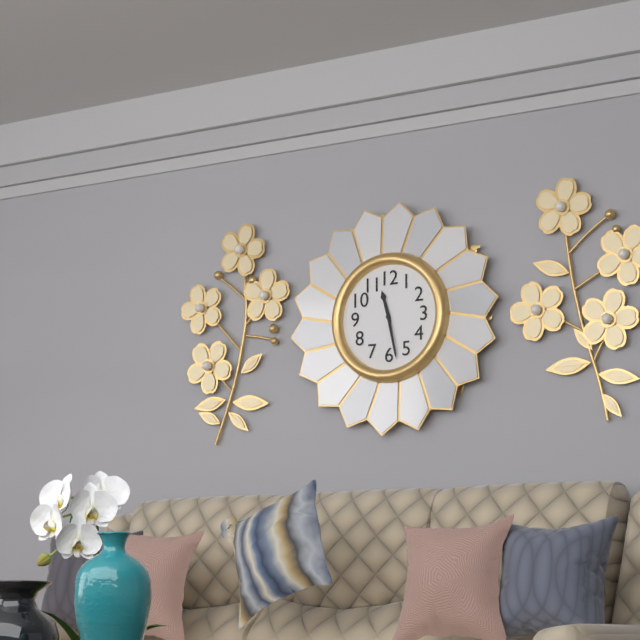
11.28
